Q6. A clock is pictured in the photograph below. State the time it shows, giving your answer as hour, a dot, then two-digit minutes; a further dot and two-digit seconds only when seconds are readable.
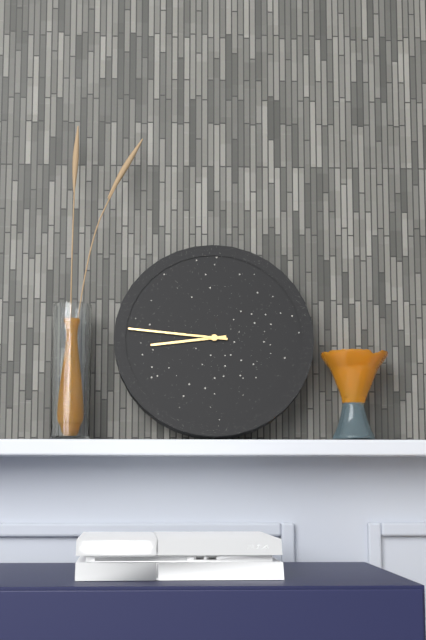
8.46
